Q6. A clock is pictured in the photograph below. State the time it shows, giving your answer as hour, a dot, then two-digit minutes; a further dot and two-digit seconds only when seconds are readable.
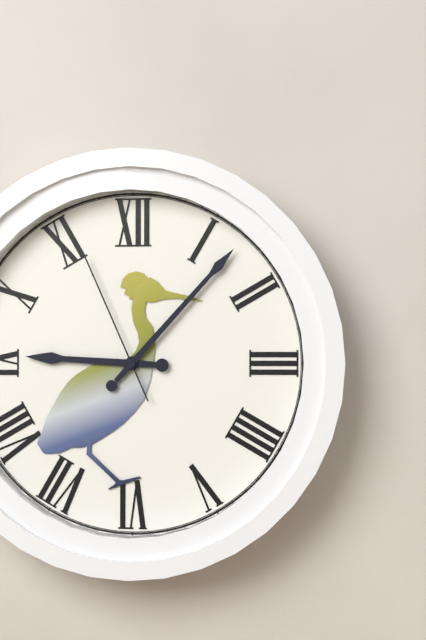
9.07.56
